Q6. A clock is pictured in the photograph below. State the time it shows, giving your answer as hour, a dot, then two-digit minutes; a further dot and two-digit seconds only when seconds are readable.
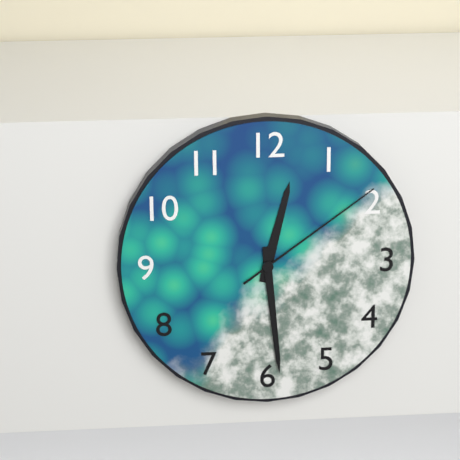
12.29.09
